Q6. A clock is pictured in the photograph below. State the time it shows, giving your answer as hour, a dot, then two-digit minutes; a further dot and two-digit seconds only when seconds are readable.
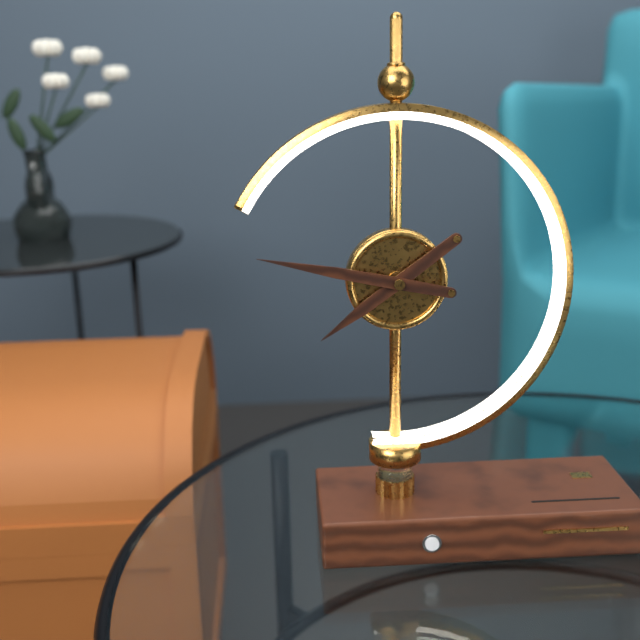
7.47
